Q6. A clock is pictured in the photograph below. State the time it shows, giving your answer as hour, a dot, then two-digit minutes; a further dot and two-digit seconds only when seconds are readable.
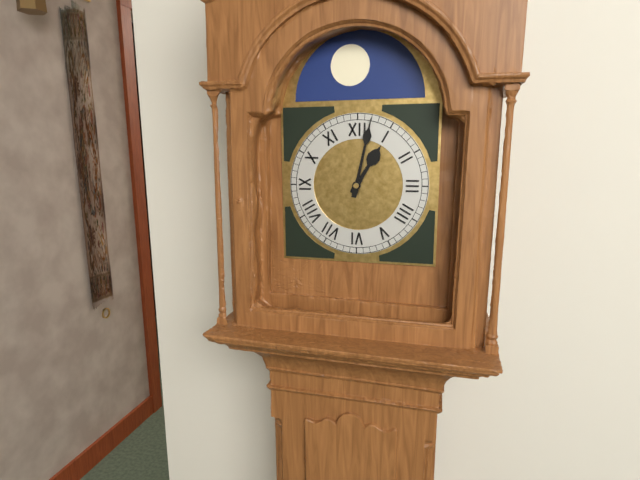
1.02
